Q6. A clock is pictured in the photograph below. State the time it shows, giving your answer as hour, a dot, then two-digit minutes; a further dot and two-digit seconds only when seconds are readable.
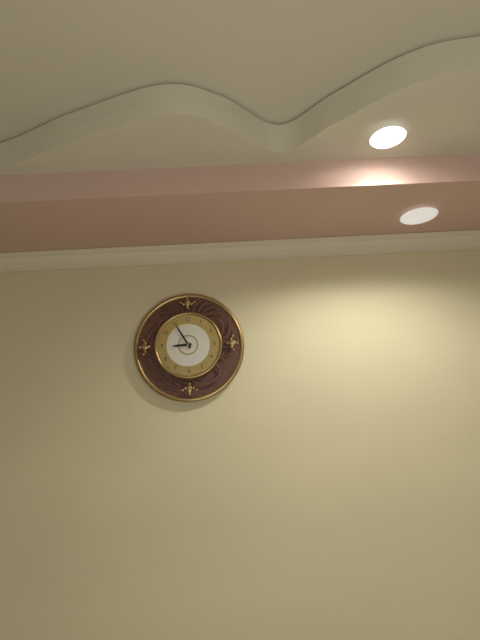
8.55
